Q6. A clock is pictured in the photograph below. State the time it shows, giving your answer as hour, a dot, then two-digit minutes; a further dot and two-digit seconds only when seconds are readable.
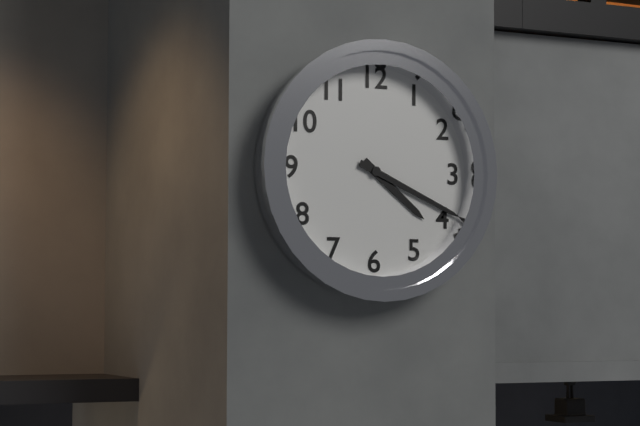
4.19
